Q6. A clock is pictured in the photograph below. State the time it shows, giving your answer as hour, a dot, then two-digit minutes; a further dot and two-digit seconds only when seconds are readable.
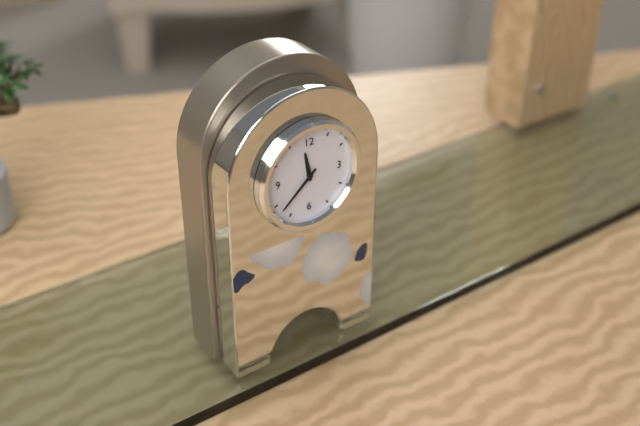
11.38
